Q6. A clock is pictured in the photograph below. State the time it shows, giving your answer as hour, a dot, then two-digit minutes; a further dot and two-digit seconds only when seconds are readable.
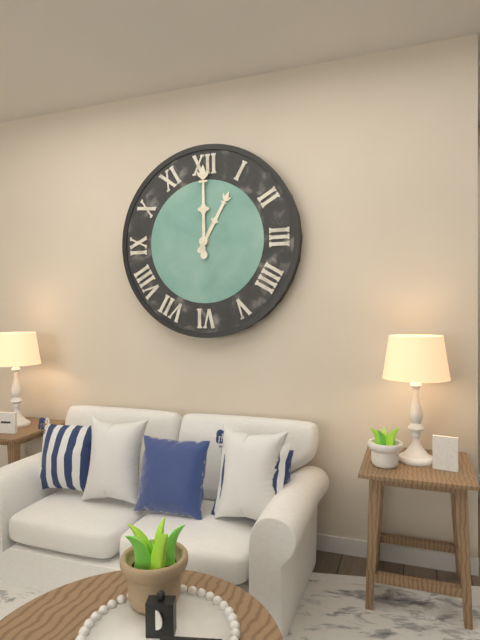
1.00
